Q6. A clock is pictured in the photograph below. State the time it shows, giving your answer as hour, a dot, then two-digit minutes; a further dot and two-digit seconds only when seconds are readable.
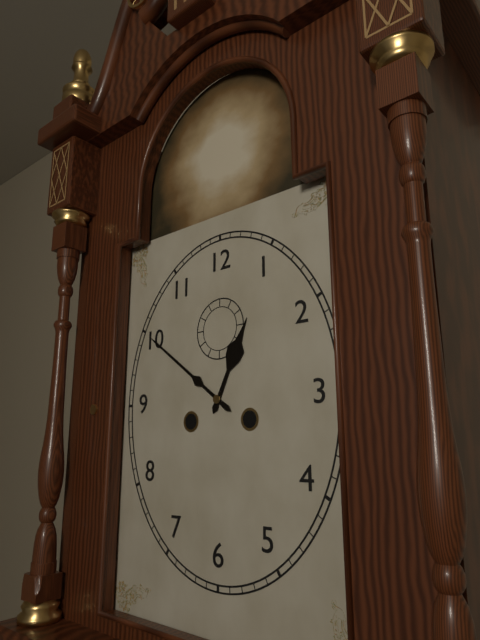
12.51
